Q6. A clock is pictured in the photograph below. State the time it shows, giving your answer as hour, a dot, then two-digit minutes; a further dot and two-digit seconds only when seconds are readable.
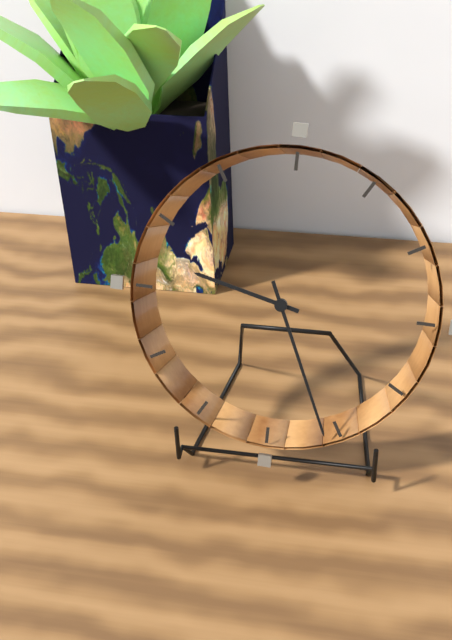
9.26
